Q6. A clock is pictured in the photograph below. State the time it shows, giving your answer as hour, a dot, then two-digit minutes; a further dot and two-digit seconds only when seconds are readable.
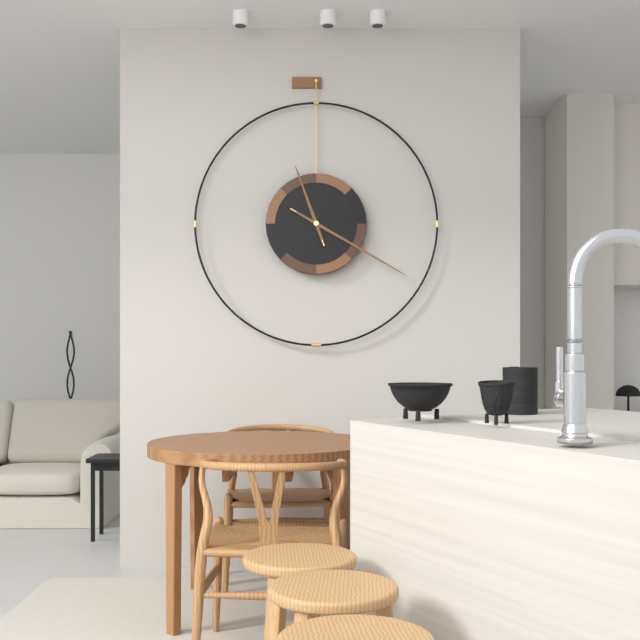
11.20
